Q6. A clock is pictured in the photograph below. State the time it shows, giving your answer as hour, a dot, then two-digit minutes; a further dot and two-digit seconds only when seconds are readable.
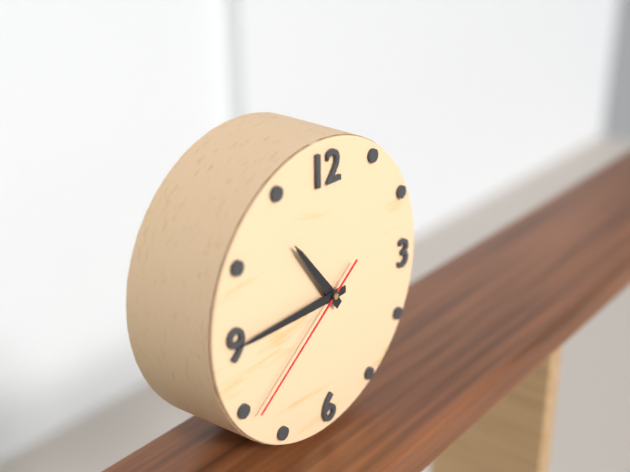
10.45.39
